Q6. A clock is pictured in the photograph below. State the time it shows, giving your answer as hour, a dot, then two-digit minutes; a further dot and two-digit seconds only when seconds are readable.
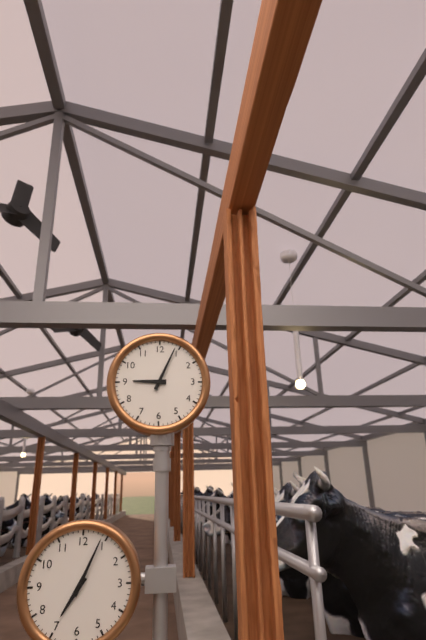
9.04
